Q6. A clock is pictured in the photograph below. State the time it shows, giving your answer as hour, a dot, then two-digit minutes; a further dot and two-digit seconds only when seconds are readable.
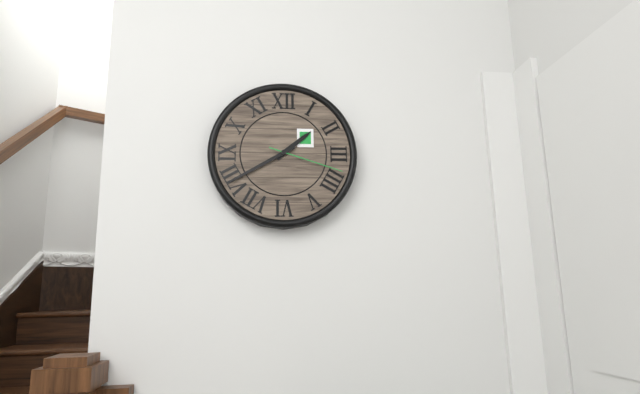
1.40.18
